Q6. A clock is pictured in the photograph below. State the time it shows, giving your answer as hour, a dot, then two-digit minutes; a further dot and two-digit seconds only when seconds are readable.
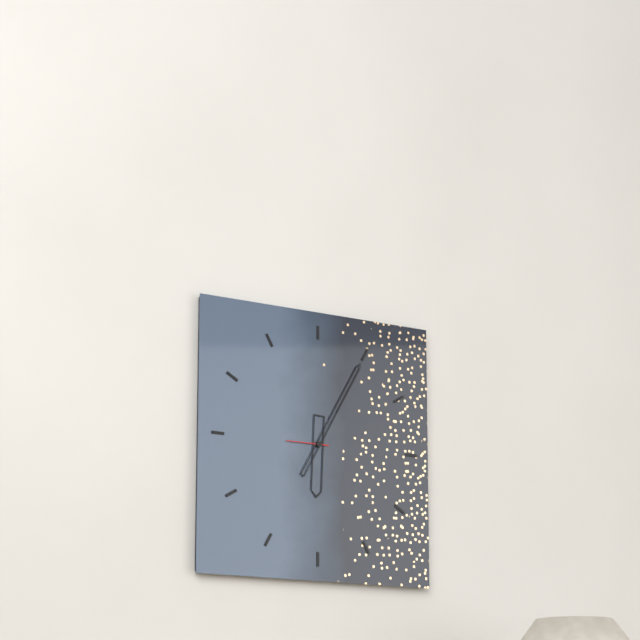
6.05
